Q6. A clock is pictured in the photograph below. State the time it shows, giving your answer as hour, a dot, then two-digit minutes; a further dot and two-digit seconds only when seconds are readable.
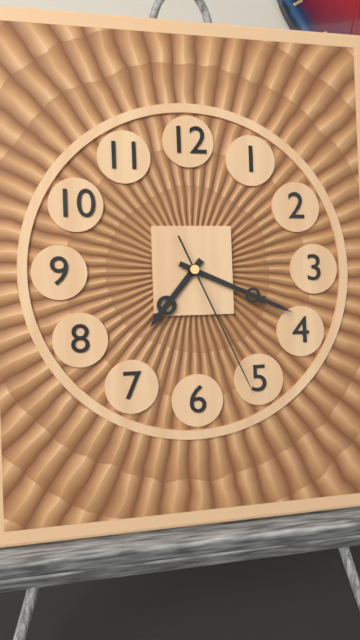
7.19.26
